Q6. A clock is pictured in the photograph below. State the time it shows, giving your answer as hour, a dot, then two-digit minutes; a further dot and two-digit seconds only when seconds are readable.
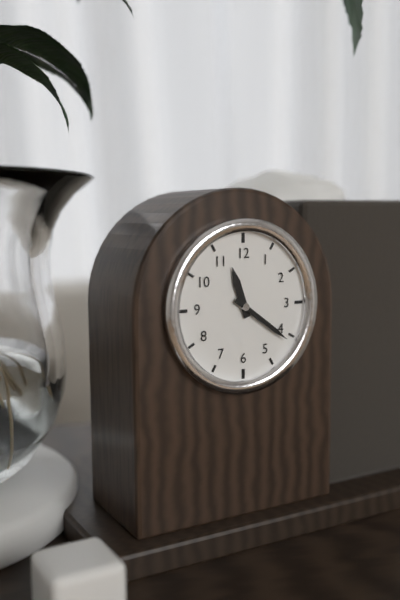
11.21
